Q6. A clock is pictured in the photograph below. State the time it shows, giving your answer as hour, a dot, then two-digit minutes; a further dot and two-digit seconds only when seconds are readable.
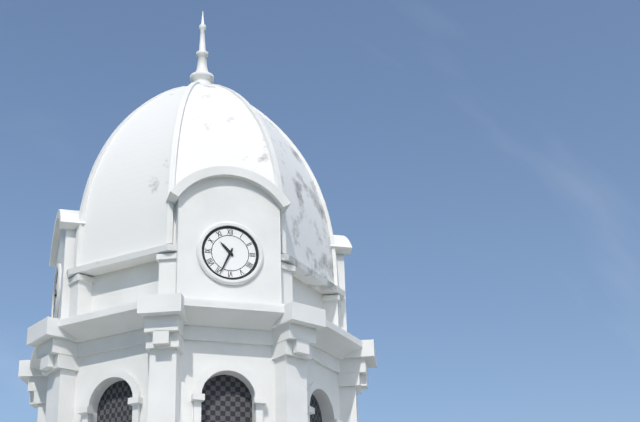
10.34
